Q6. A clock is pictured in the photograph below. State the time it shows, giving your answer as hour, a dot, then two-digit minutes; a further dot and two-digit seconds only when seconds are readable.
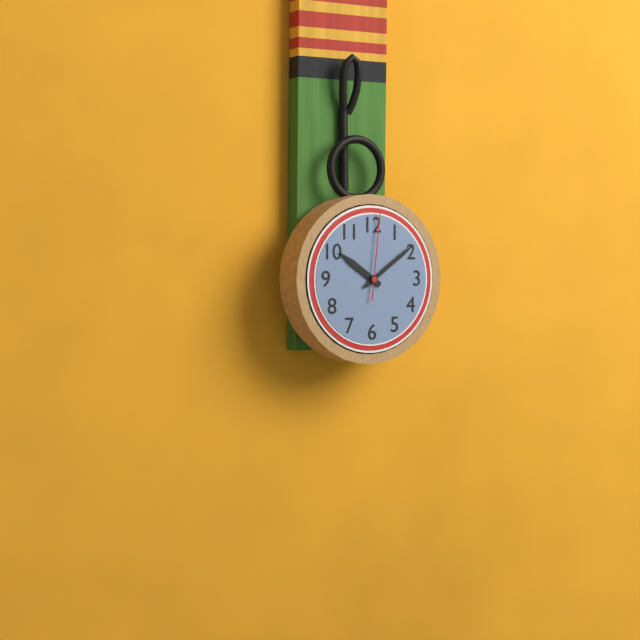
10.09.01
